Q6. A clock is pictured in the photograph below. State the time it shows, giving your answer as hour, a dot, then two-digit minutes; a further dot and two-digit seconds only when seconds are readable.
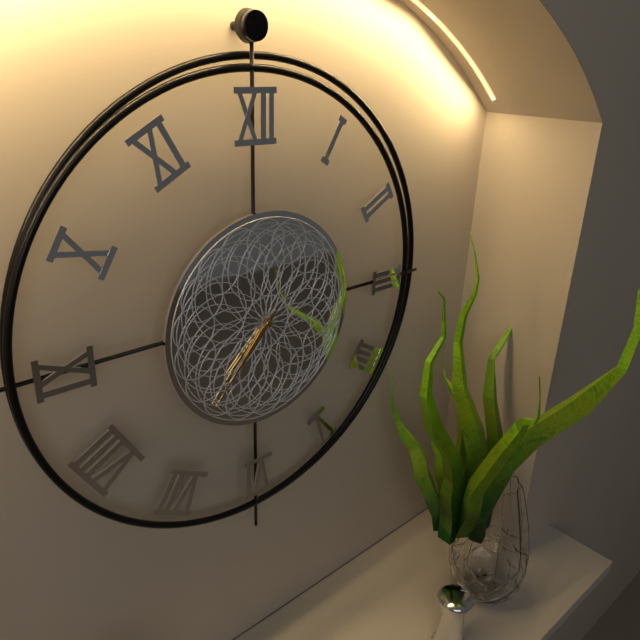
7.37
